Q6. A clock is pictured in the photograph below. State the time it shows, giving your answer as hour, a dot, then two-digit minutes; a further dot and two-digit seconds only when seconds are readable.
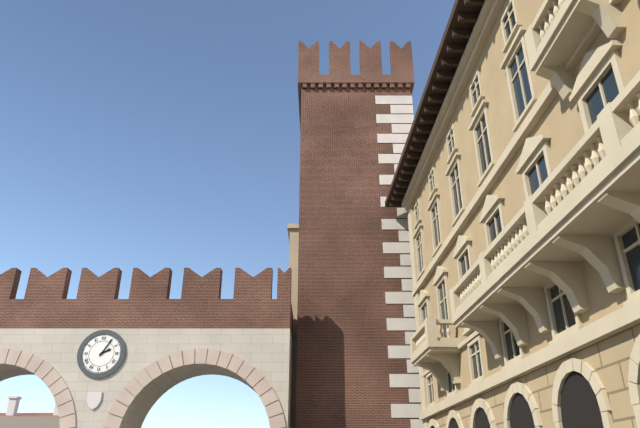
2.05
